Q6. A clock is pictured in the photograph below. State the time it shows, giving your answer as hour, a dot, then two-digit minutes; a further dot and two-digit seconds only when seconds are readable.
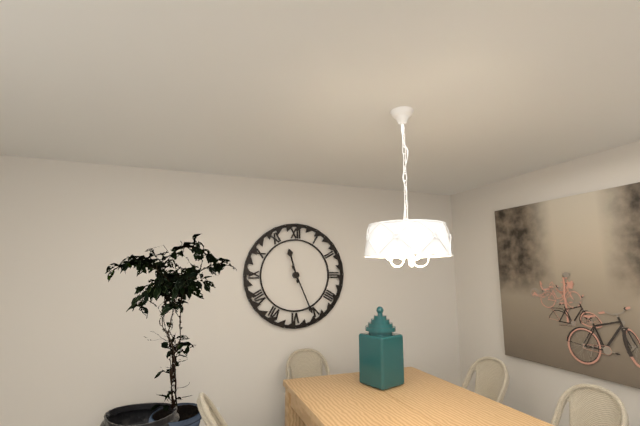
11.26
